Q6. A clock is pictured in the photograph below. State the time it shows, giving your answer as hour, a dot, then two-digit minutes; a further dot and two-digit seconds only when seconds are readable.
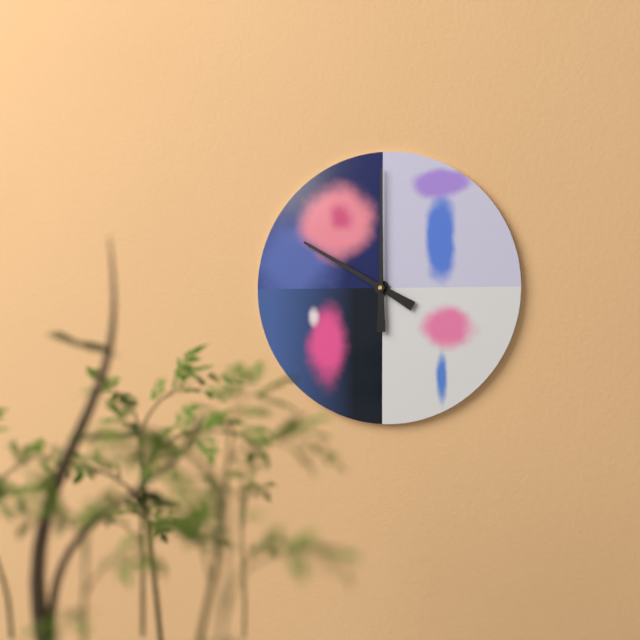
10.00
